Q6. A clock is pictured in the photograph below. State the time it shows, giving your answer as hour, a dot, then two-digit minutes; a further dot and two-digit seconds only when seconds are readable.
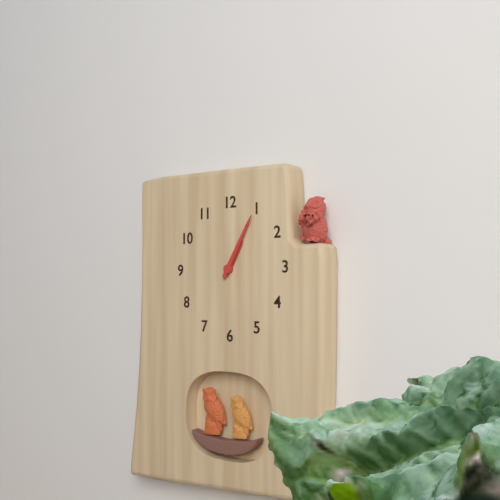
1.05
